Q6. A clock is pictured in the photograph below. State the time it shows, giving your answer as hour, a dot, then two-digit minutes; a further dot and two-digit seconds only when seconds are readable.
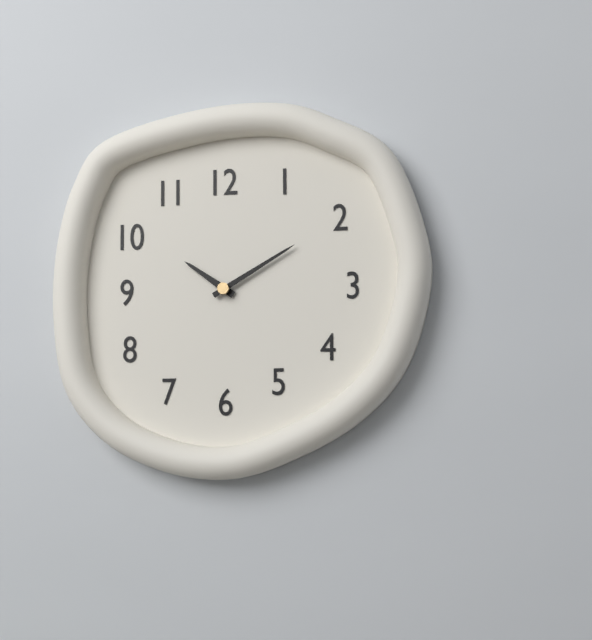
10.10
